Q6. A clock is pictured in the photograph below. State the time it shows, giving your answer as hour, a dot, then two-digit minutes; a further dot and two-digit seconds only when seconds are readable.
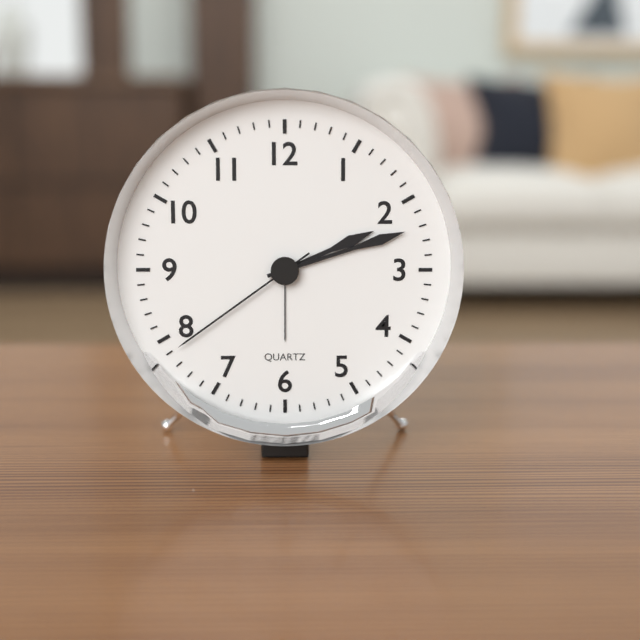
2.12.39
